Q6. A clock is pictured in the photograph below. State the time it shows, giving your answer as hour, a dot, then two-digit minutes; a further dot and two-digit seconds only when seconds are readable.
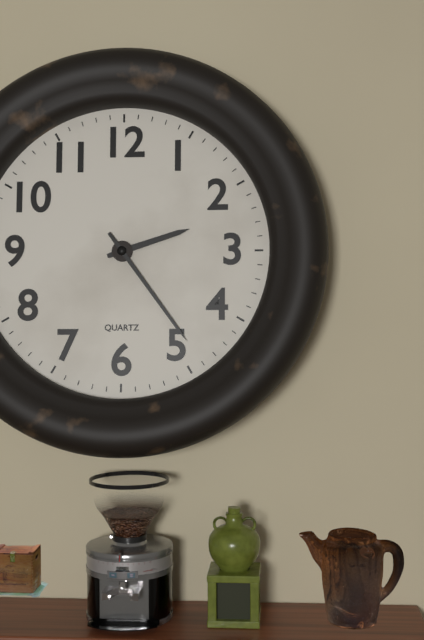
2.24
